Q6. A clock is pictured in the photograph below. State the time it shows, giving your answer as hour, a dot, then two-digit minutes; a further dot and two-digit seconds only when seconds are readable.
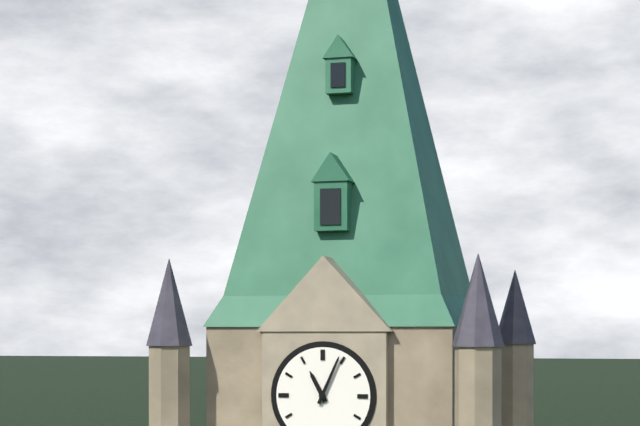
11.04
